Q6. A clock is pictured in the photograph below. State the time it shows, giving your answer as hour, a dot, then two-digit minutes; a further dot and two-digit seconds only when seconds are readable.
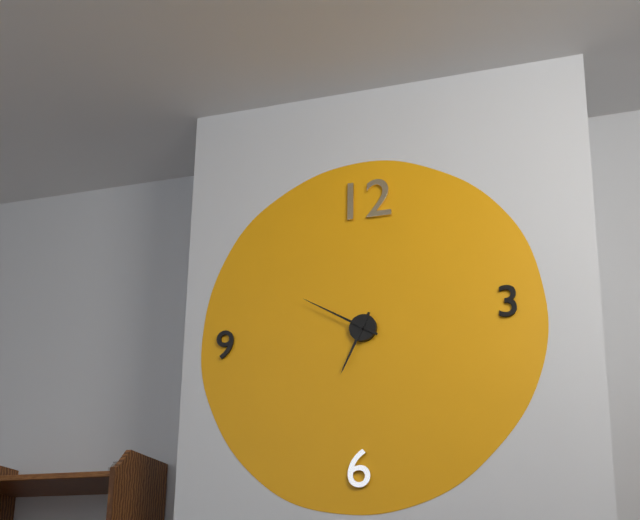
6.50
